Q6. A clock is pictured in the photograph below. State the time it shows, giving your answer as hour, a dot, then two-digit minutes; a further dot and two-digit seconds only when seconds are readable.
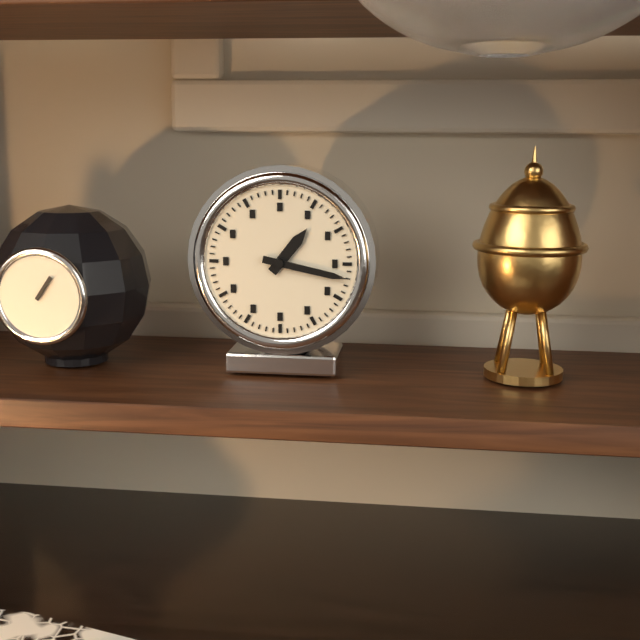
1.17
